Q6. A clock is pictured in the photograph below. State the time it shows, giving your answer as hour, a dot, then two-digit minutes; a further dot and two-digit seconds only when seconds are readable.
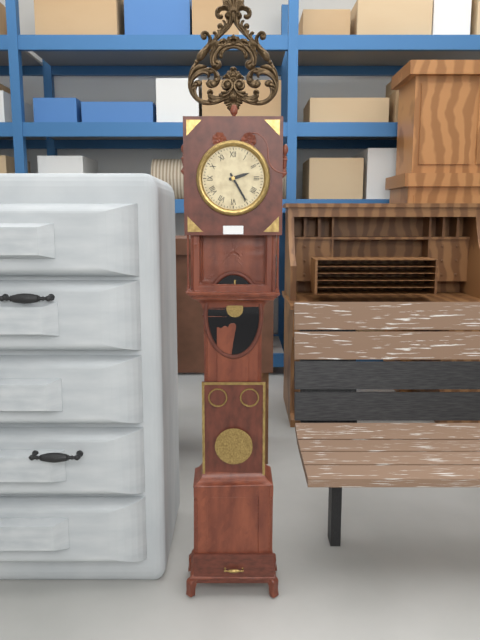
2.25
